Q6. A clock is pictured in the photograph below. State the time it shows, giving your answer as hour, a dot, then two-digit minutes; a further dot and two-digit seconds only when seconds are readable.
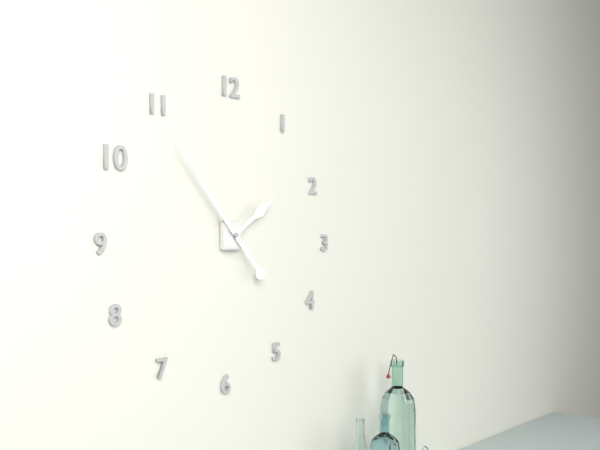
1.53
